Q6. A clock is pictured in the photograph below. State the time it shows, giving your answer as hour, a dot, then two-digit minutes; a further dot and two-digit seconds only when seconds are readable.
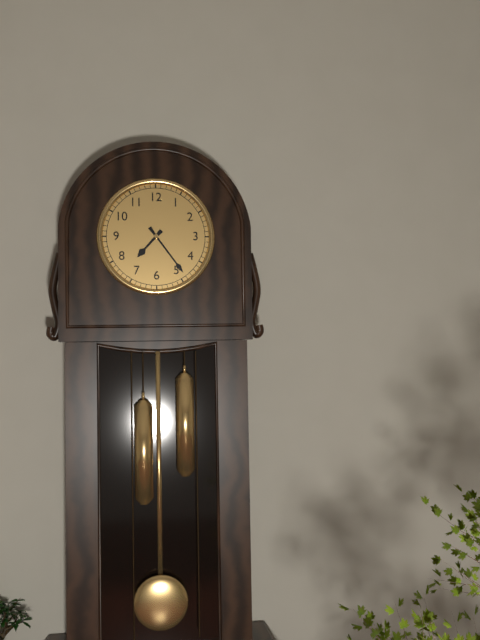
7.24
